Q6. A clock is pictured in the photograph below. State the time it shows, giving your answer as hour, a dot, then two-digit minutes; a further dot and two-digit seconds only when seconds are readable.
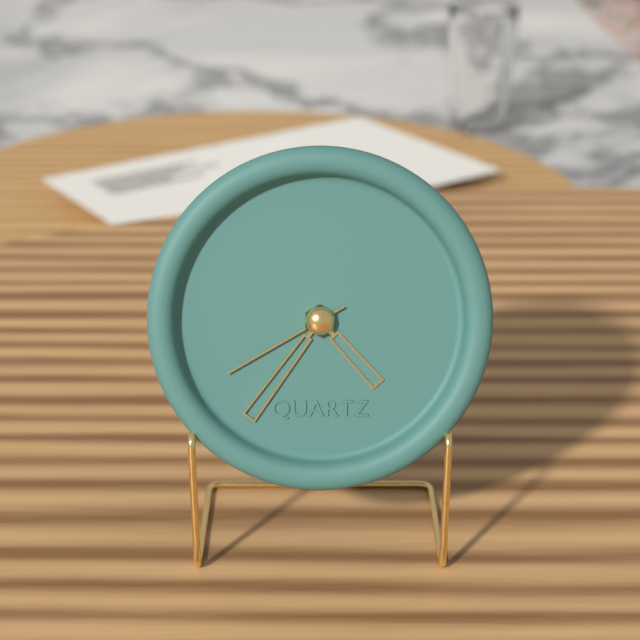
4.36.40
